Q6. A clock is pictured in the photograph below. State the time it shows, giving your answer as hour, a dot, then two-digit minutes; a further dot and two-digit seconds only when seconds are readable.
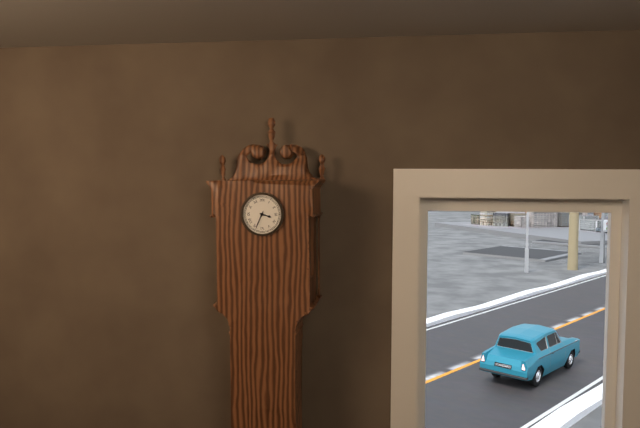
3.34
